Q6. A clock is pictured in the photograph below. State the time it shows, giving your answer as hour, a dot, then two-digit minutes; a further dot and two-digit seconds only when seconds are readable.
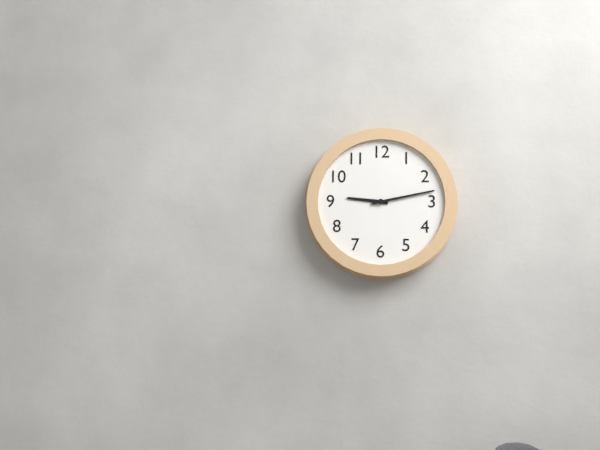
9.13
